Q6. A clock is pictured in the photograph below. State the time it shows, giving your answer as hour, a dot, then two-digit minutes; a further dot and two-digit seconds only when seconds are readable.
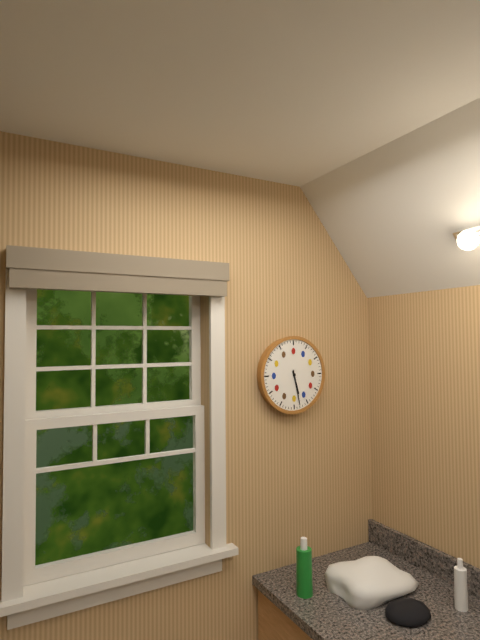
5.28
